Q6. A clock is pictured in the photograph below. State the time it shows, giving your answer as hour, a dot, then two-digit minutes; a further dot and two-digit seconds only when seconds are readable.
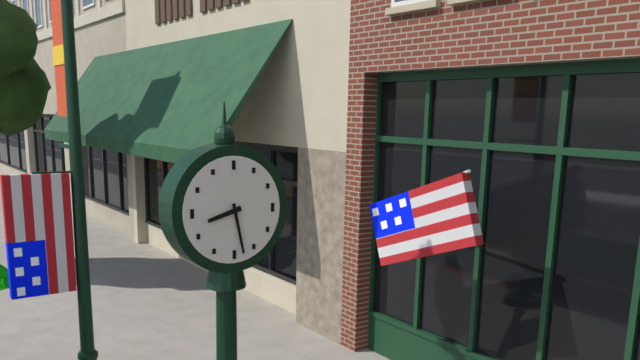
8.28
